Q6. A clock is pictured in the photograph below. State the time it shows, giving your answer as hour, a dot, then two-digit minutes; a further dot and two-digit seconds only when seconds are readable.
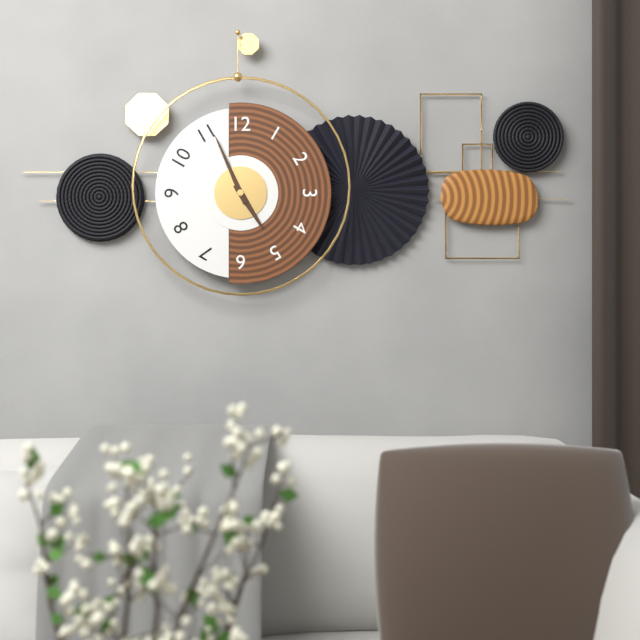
4.56
